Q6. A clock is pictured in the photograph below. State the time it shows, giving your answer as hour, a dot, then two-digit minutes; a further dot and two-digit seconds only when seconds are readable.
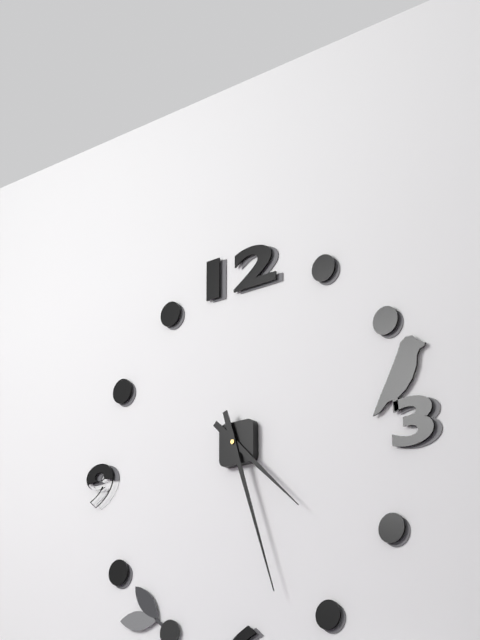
4.27
